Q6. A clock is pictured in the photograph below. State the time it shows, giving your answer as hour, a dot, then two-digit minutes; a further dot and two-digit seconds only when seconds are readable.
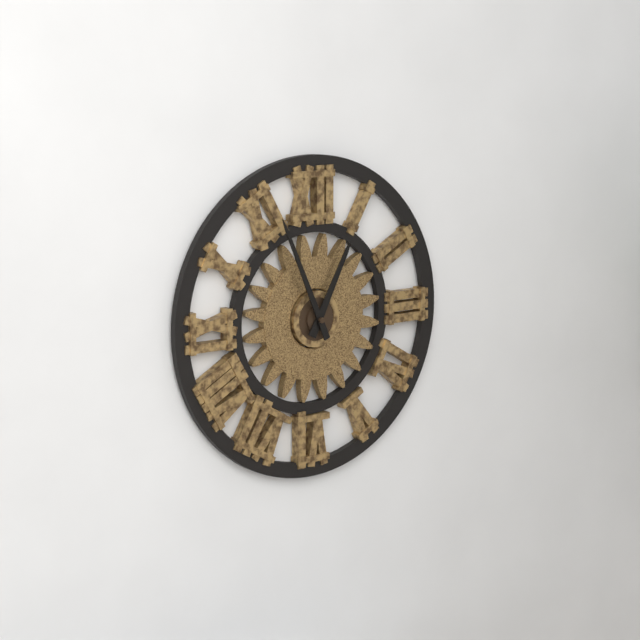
12.56
